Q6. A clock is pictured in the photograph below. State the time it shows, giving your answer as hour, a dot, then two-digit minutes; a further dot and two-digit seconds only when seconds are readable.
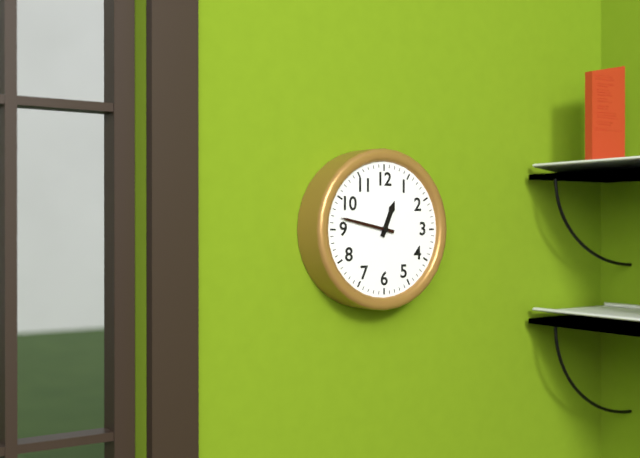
12.47
